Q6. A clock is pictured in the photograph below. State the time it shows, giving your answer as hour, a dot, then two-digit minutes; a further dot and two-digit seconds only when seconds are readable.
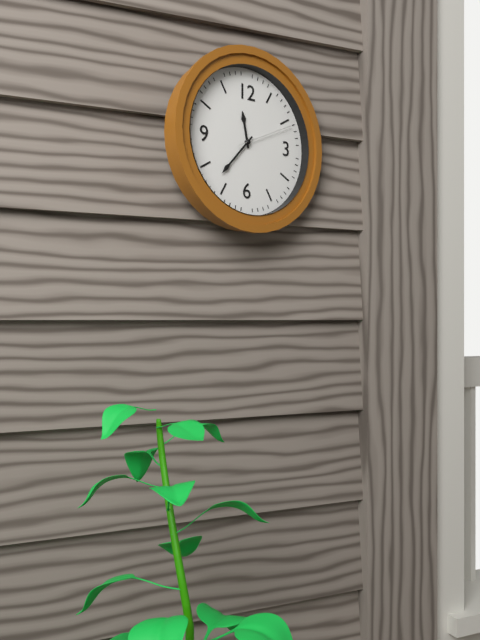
11.37.11
